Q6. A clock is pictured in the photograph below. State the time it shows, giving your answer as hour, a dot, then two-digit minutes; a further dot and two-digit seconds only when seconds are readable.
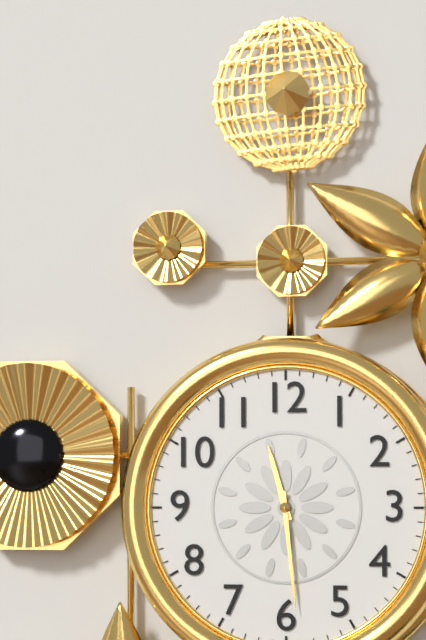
11.29
